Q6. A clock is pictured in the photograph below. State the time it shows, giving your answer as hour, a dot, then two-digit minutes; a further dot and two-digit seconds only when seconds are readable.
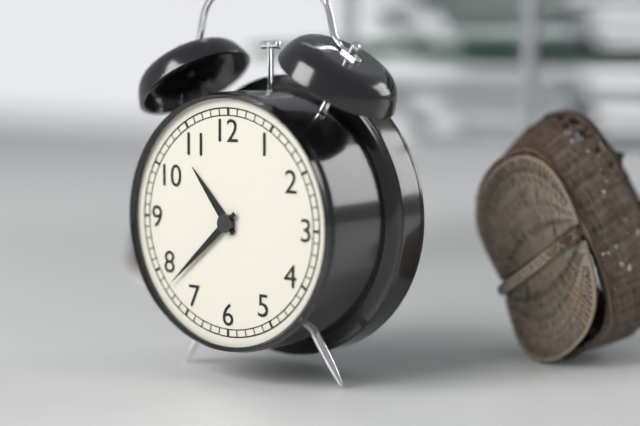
10.38
